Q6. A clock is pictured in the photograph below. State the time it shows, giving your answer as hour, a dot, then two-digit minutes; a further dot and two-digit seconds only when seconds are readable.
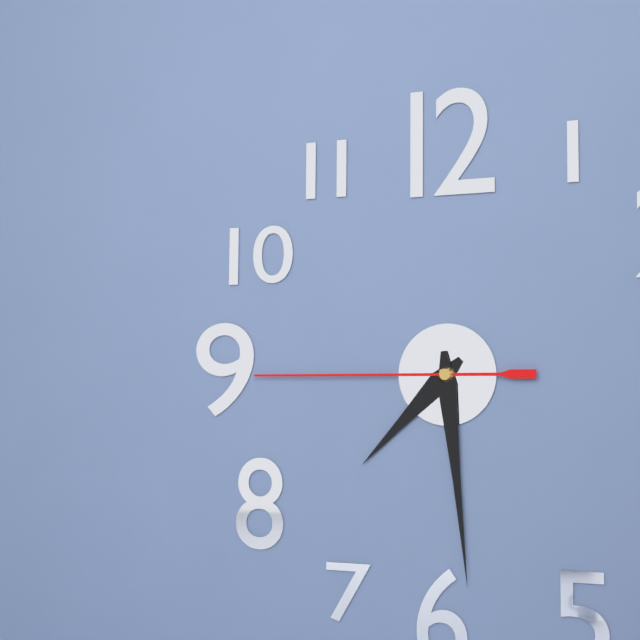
7.29.45
